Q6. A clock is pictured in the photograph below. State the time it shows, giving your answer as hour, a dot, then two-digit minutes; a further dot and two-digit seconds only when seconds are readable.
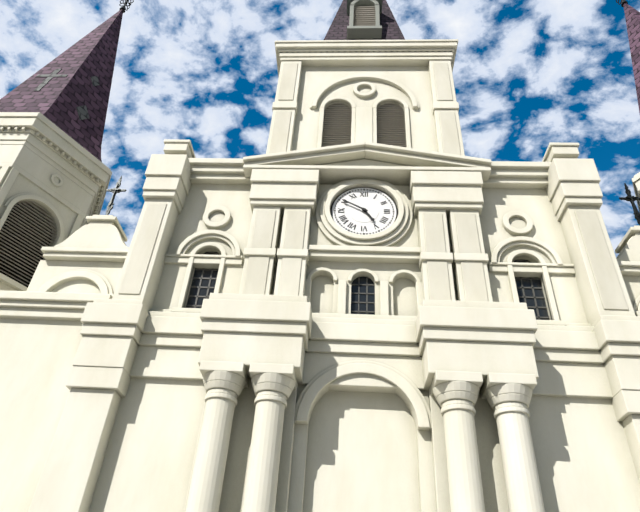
4.50
